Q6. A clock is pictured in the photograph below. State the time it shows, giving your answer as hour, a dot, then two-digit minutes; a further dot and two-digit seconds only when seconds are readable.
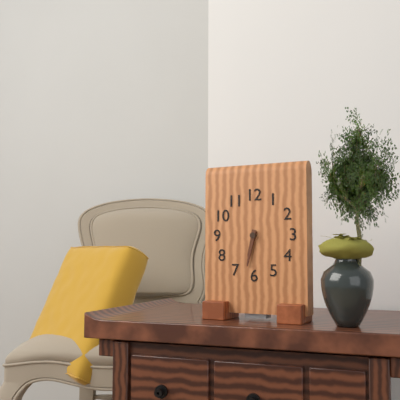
6.32
